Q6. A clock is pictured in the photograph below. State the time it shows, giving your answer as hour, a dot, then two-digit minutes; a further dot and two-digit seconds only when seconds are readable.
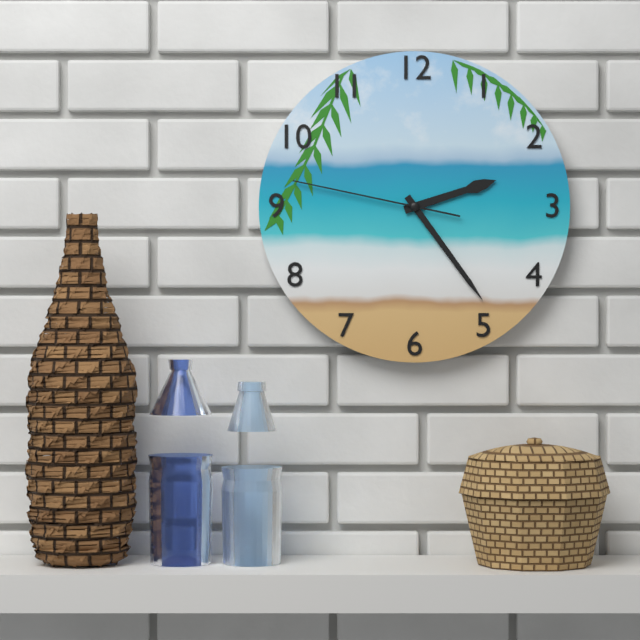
2.24.47
